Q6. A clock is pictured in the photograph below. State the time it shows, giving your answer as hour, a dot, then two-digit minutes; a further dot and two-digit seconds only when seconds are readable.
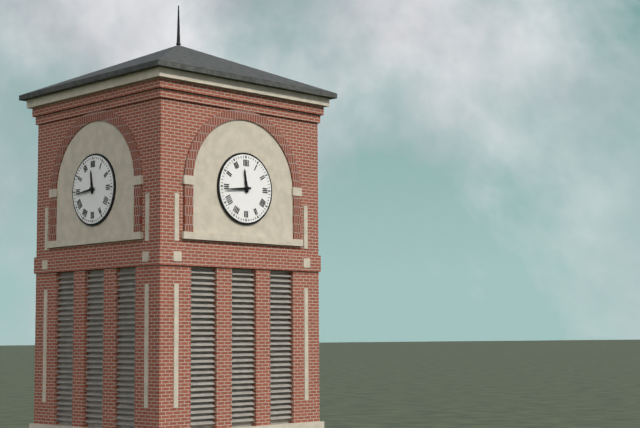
11.44
